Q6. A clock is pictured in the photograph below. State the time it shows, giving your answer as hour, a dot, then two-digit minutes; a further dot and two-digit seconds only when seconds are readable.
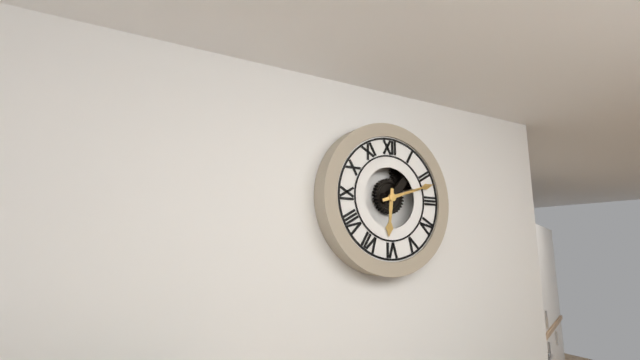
6.12
